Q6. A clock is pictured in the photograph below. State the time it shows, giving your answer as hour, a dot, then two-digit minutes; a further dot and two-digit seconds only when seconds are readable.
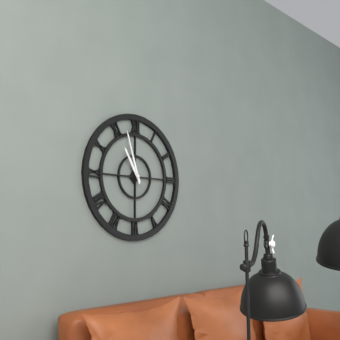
10.57
